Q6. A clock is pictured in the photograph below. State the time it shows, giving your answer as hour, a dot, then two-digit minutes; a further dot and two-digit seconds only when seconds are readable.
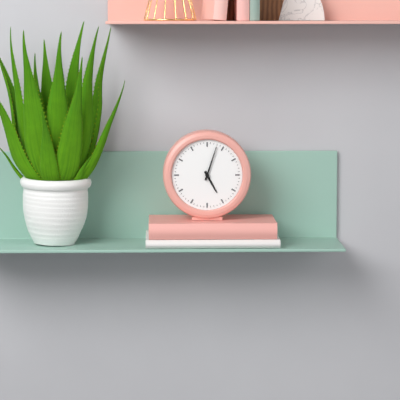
5.03
